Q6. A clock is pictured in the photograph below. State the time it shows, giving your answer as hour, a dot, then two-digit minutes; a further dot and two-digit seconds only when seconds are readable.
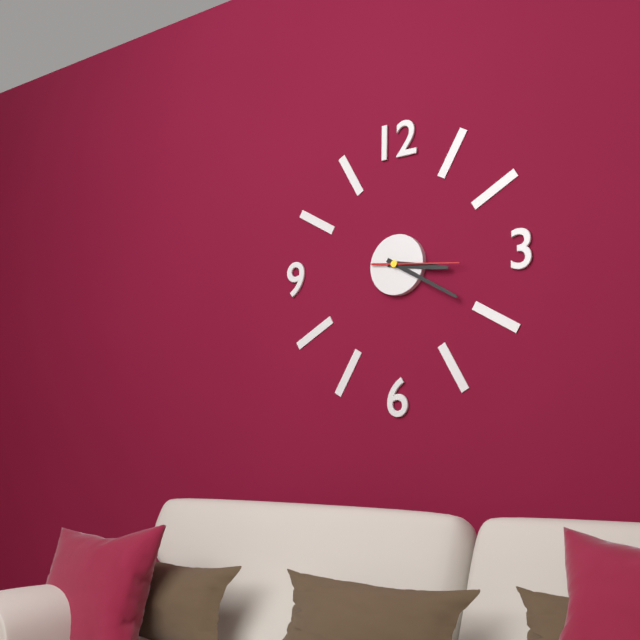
3.20.16
